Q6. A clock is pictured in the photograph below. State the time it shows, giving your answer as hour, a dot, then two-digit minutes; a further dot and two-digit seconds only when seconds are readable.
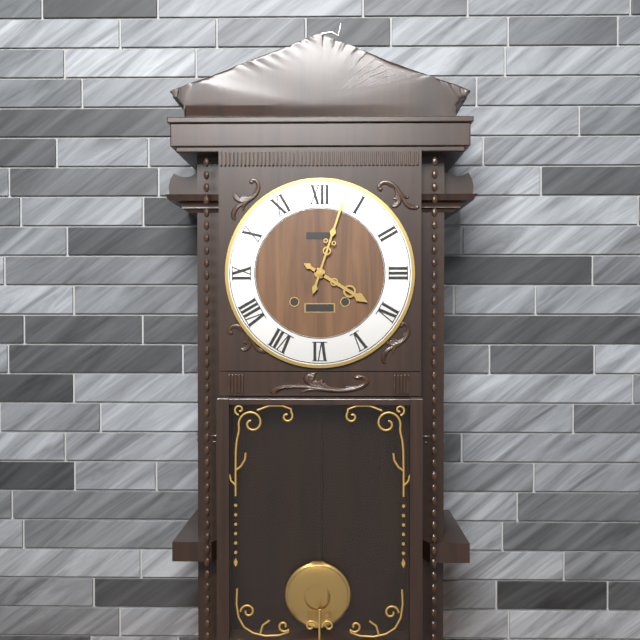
4.03
